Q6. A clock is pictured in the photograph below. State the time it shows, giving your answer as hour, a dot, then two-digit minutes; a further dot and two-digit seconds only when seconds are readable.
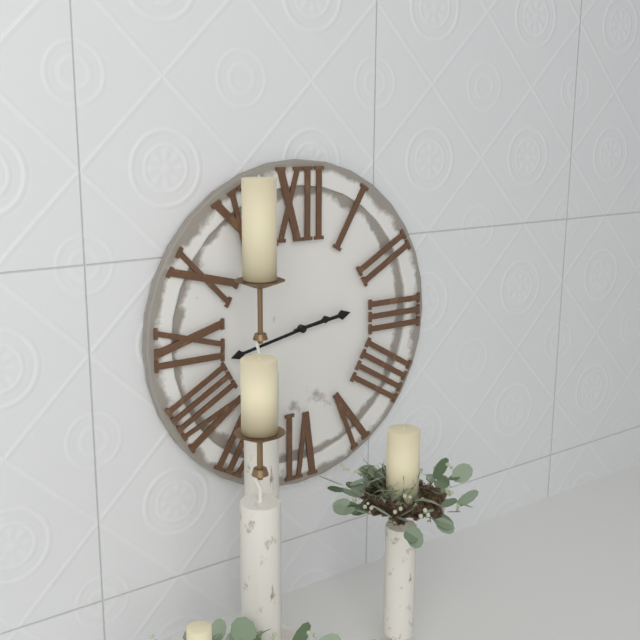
2.43
